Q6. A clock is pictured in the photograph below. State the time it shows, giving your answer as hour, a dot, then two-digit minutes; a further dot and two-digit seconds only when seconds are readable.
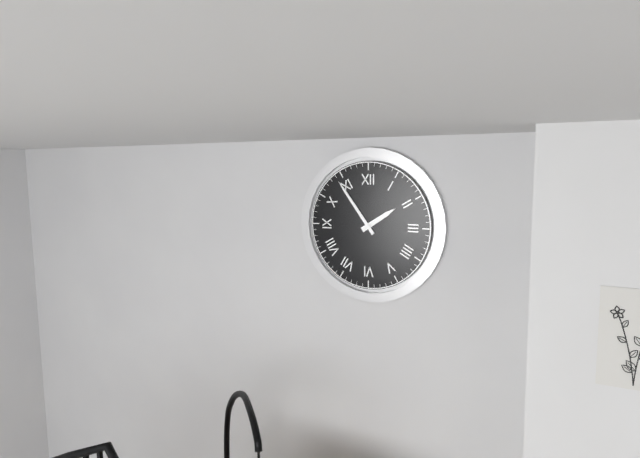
1.54
